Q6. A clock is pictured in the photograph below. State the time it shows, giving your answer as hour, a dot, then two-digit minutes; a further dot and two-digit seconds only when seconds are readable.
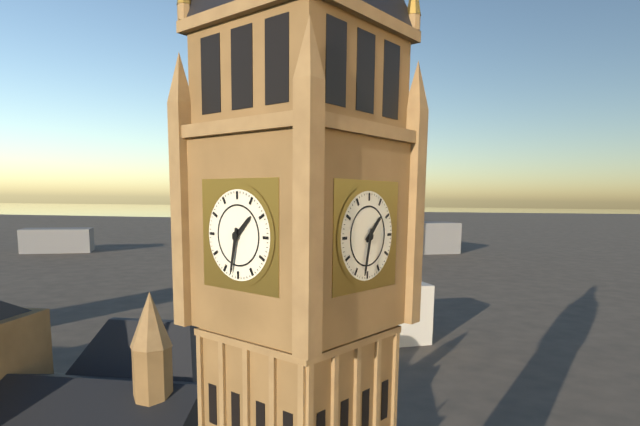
1.32
